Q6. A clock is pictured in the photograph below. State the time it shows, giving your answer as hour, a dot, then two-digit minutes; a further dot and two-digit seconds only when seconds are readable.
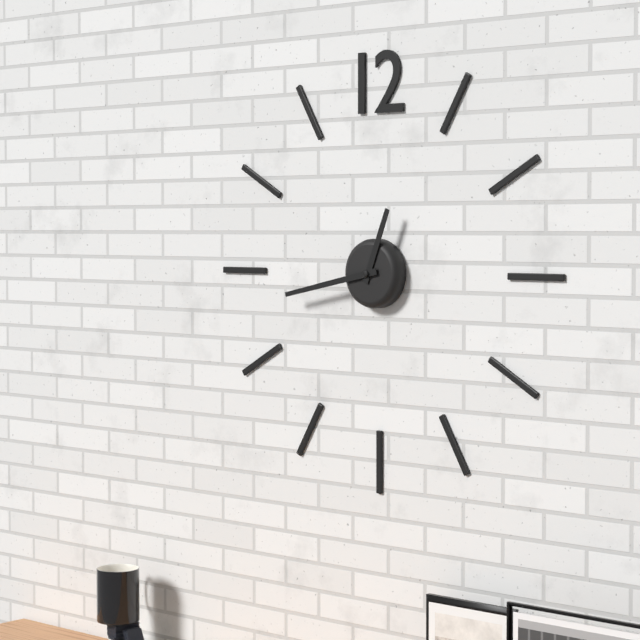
12.43
